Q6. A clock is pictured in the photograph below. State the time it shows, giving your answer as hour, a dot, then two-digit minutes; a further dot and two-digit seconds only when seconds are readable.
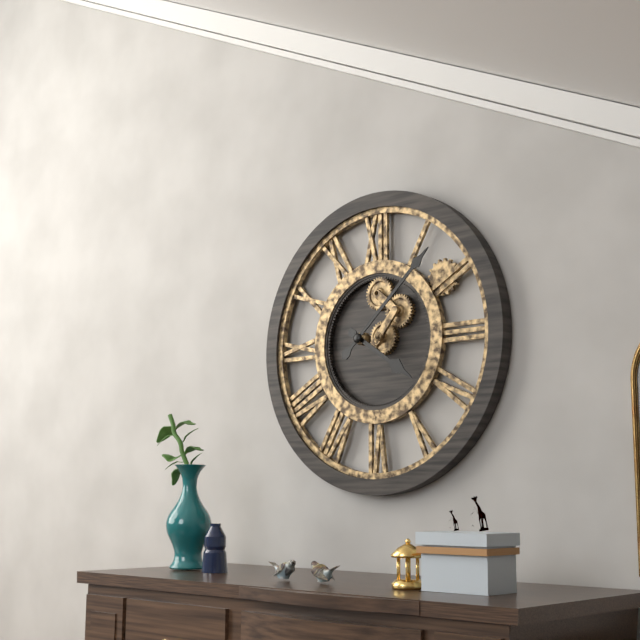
4.08
